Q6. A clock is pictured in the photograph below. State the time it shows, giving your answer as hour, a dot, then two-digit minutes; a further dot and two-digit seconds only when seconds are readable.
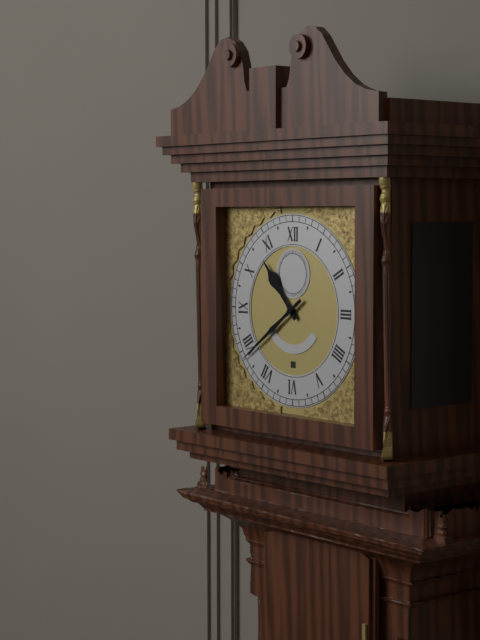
10.39
